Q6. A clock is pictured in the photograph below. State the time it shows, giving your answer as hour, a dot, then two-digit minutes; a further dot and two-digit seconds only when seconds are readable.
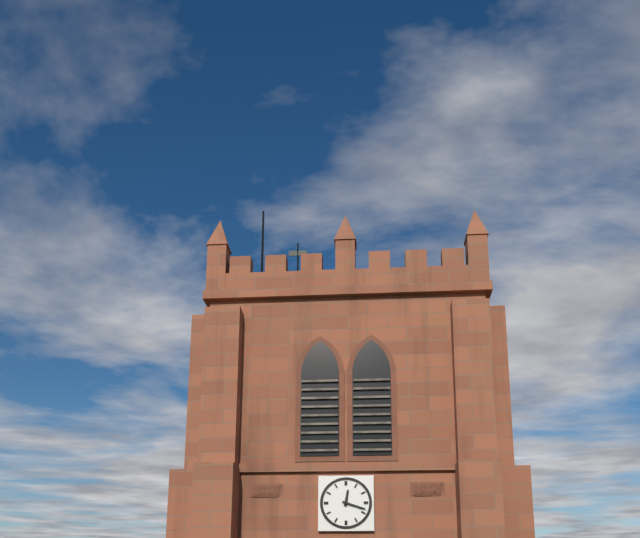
12.18
